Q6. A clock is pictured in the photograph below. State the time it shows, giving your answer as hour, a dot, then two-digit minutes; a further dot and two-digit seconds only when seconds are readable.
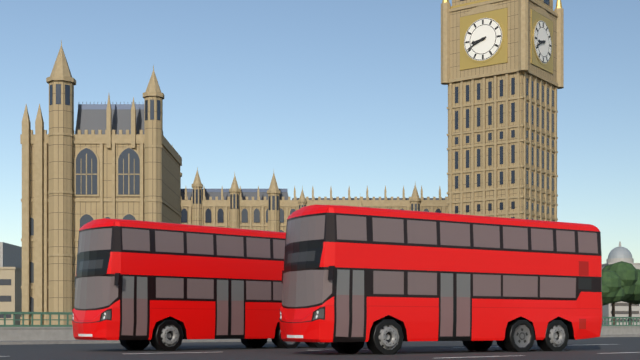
8.41
